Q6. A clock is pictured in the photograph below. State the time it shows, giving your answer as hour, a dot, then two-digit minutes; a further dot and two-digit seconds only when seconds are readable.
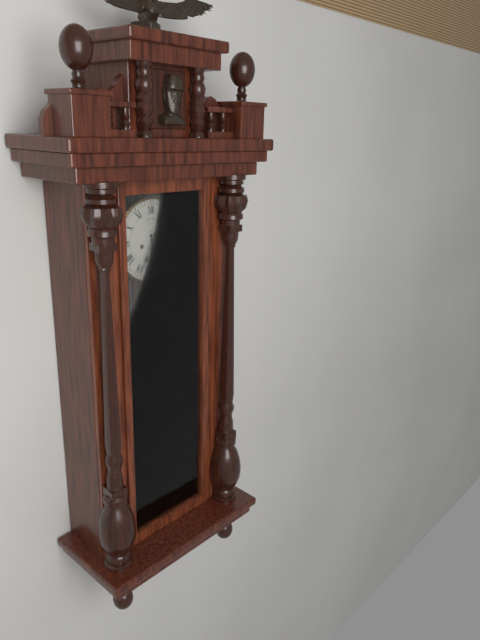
5.34
